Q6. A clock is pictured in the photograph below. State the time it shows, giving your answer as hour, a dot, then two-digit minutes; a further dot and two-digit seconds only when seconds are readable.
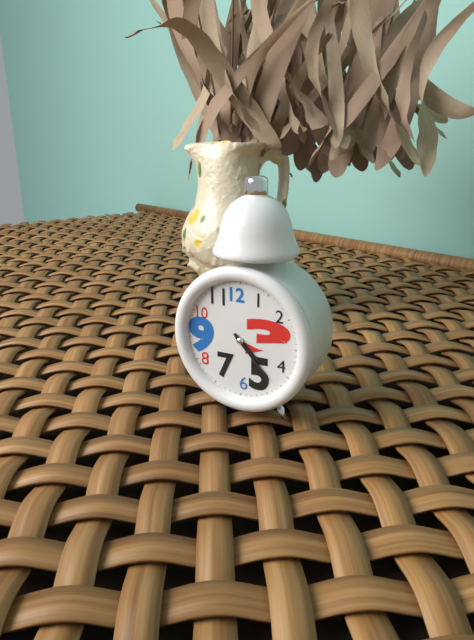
4.23
